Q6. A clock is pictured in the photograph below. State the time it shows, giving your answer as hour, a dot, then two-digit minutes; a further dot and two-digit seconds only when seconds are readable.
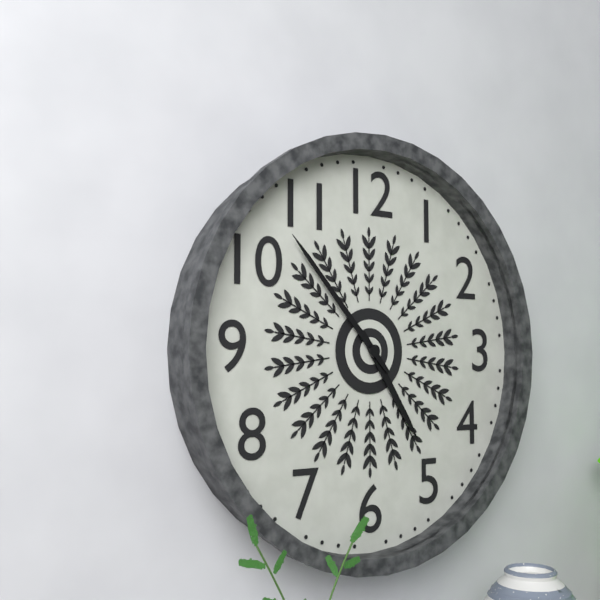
4.53
